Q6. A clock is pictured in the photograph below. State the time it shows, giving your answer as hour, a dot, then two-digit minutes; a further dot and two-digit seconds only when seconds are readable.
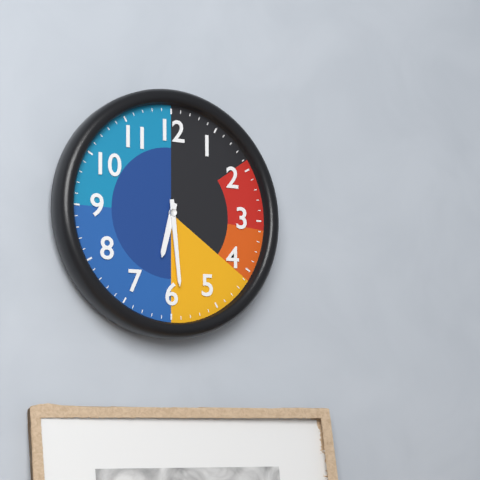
6.29
